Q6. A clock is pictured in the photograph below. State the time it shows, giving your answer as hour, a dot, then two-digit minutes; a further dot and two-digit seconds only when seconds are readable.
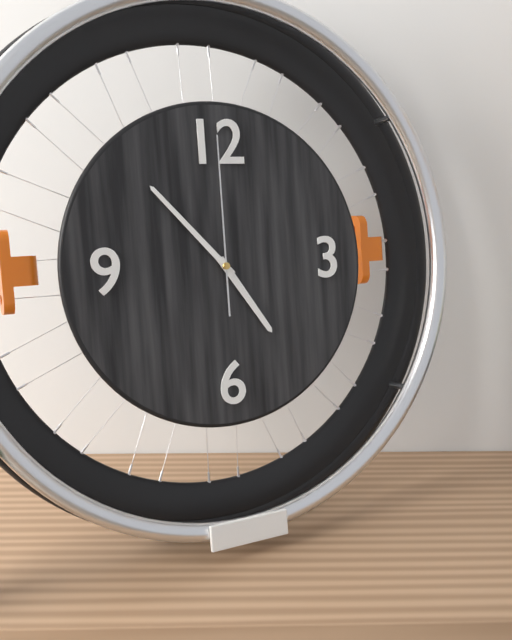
4.53.00
